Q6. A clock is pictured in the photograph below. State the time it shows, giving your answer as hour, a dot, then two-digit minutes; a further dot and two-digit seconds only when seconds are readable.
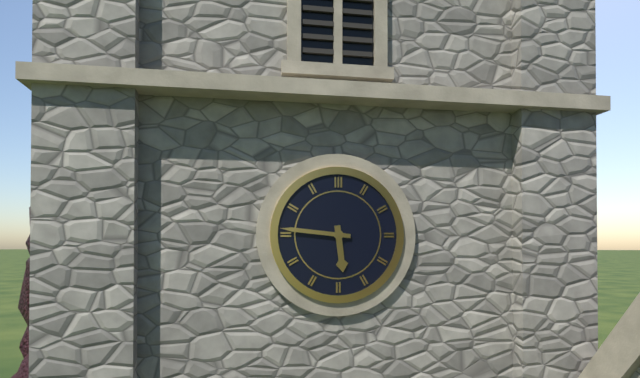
5.46
